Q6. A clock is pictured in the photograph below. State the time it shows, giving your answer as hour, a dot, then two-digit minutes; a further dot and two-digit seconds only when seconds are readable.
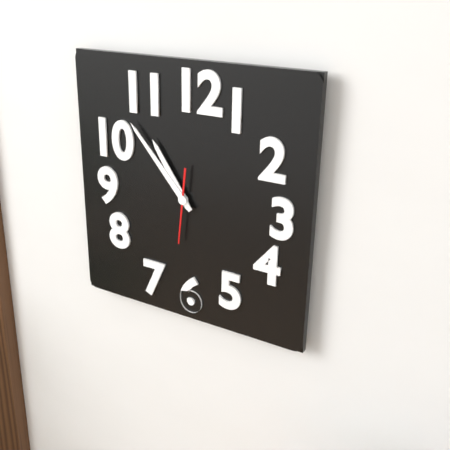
10.53.31
